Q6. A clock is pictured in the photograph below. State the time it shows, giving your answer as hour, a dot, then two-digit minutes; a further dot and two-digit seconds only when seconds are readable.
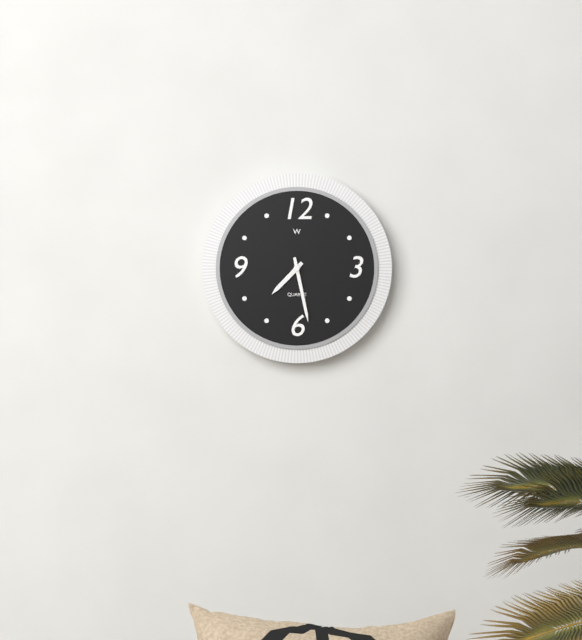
7.28
